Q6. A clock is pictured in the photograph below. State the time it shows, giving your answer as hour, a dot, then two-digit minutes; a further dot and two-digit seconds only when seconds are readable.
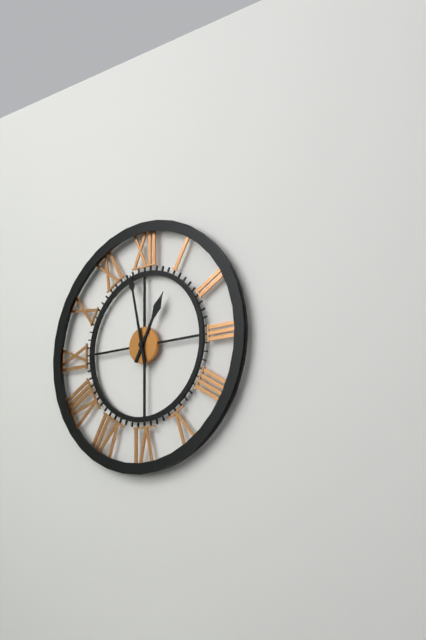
12.58
